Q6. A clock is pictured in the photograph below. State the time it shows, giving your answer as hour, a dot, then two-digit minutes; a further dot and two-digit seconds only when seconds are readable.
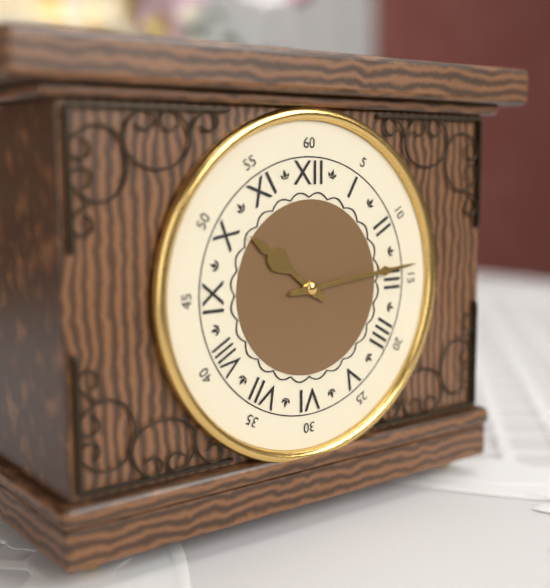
10.14
